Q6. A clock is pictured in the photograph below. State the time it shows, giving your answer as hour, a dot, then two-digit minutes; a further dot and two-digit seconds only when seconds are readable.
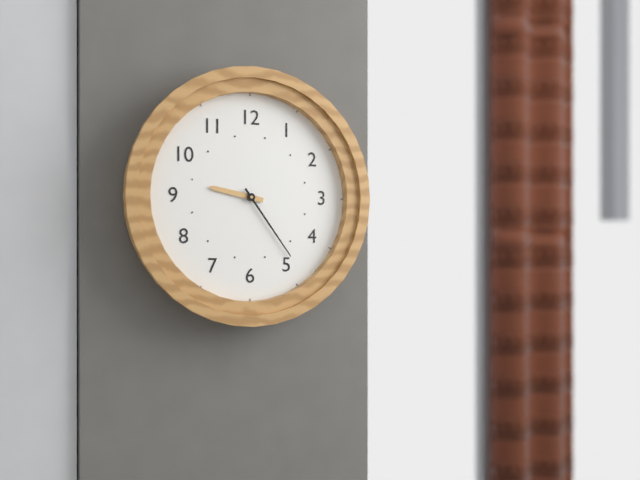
9.24
